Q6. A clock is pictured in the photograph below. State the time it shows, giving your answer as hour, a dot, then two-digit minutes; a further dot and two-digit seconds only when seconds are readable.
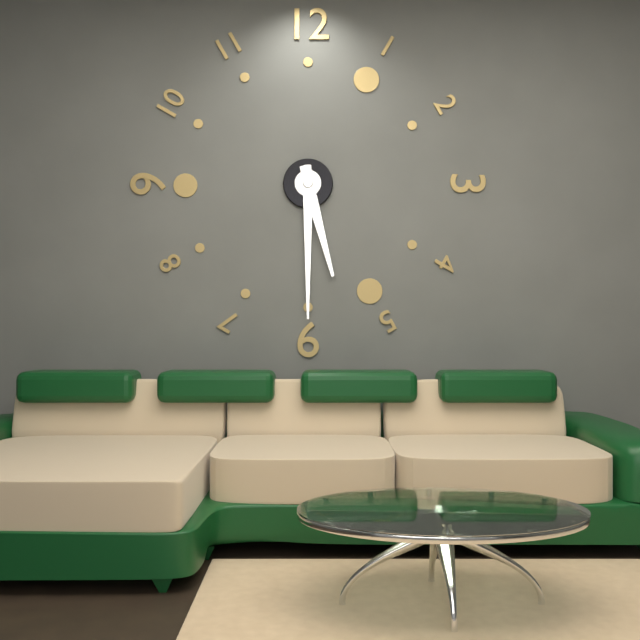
5.30
